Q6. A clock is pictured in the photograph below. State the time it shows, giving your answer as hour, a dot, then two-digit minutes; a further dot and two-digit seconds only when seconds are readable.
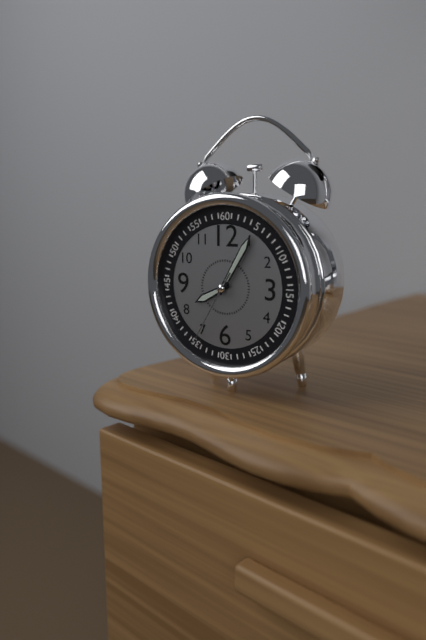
8.05.35
